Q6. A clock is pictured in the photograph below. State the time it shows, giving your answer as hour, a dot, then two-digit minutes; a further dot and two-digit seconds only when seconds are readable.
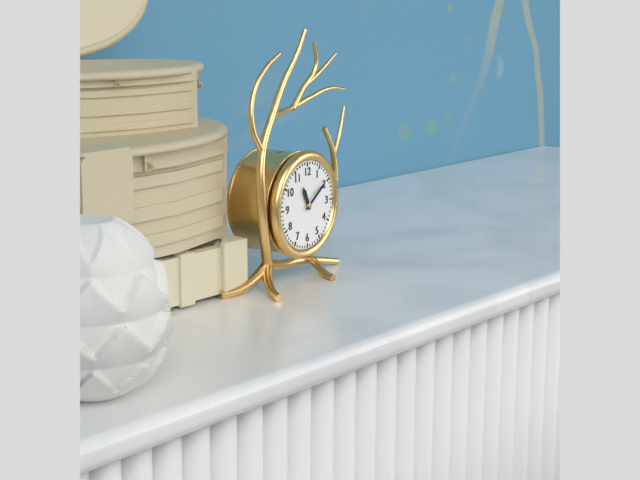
11.09
